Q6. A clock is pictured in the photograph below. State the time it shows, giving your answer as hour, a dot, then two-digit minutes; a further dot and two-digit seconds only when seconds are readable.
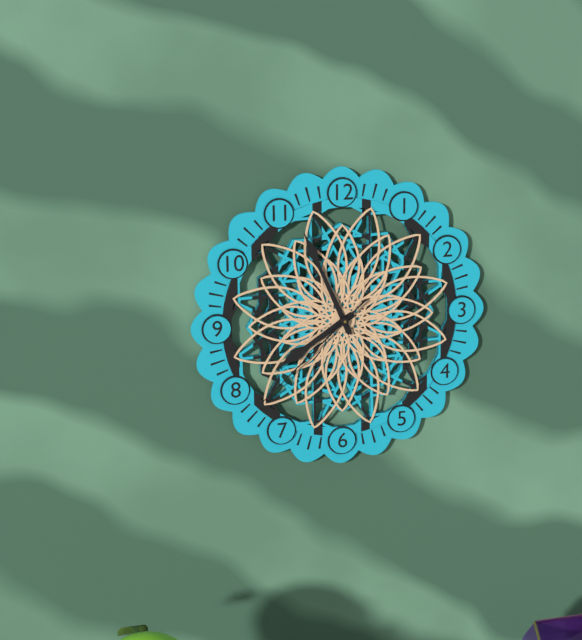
7.56.38
